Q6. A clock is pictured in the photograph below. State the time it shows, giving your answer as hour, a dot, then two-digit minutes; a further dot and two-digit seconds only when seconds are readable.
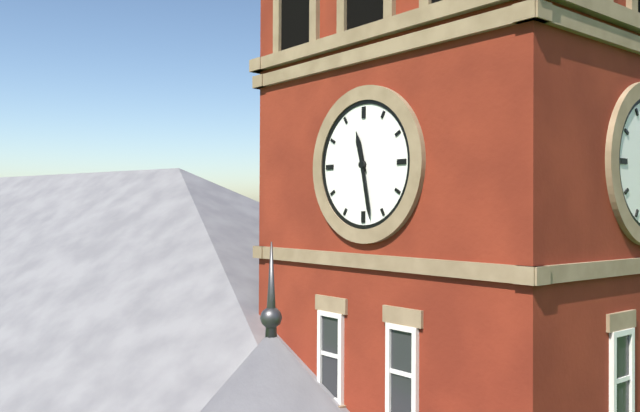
11.28
